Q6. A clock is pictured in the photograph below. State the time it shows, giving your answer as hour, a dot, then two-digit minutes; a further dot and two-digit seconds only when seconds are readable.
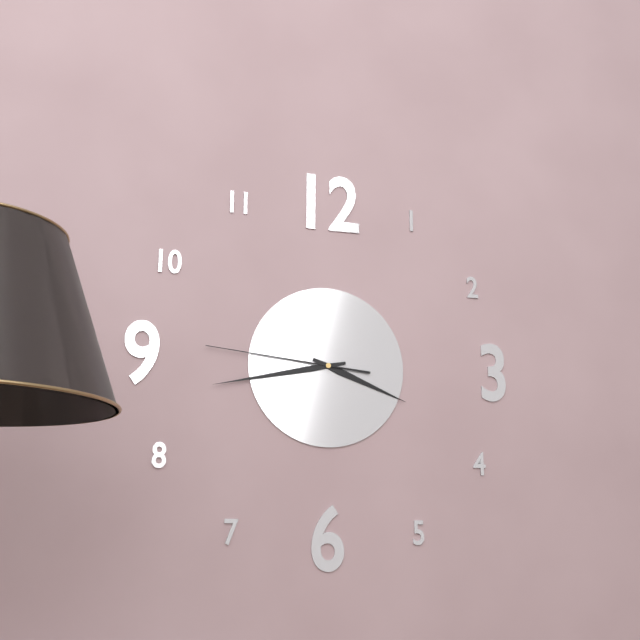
3.43.46
